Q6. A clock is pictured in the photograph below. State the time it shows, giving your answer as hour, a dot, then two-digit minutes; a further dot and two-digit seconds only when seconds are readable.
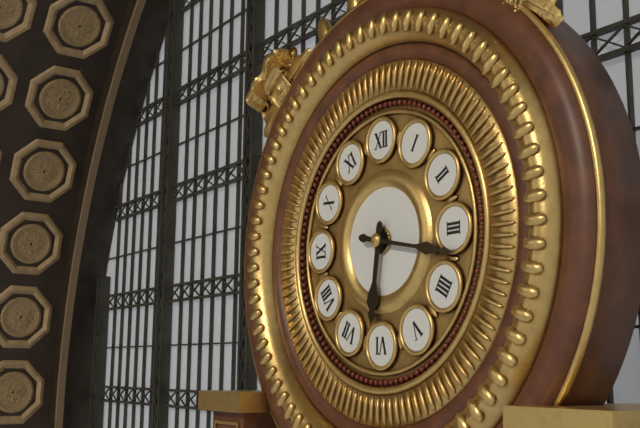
6.17
